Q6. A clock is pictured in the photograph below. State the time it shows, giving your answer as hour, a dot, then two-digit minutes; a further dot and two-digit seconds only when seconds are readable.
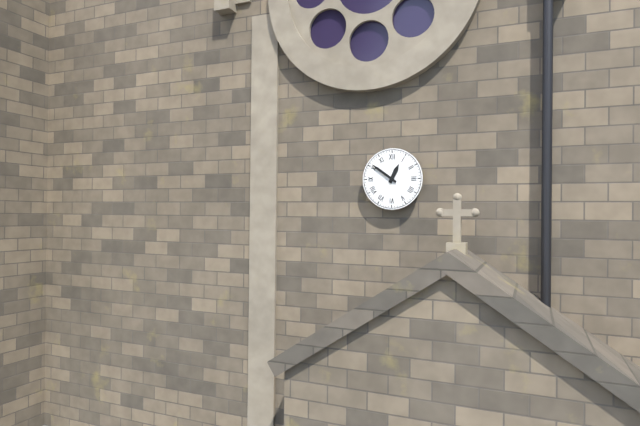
12.51
